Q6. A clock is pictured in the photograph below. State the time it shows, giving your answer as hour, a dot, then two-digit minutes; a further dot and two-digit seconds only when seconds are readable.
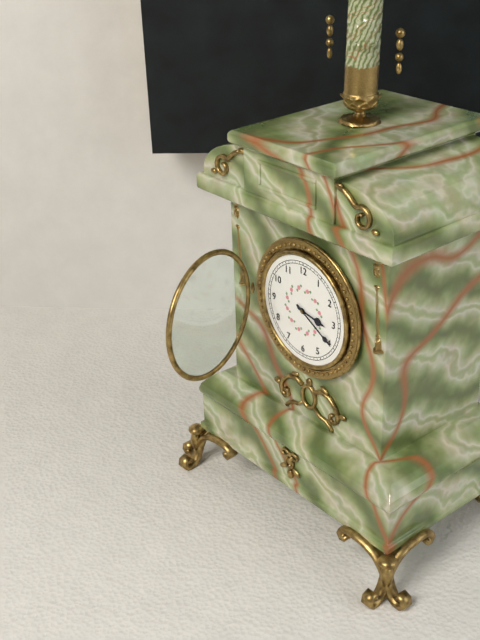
3.20
